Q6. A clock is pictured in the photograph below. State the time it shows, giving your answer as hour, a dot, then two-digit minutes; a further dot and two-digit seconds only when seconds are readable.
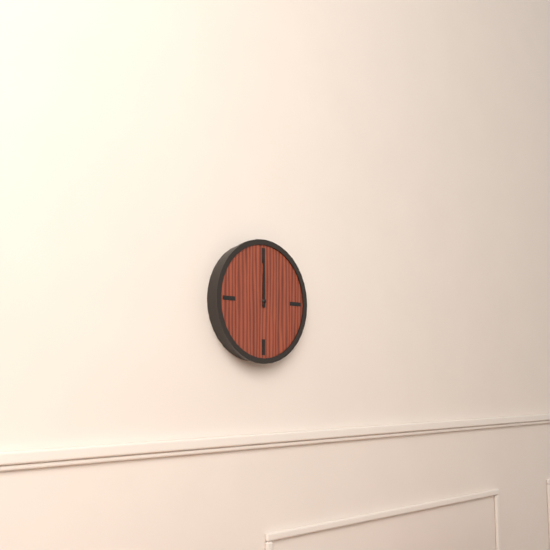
12.00
